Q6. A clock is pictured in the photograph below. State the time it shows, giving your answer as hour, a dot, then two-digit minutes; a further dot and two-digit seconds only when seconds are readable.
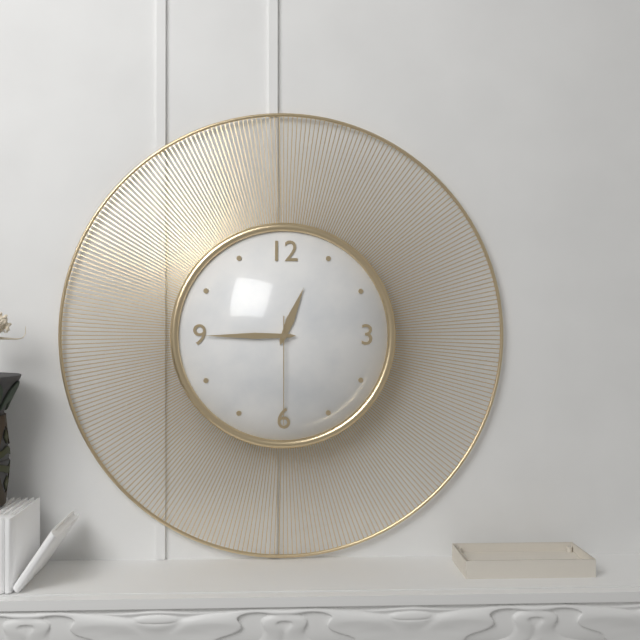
12.45.30
